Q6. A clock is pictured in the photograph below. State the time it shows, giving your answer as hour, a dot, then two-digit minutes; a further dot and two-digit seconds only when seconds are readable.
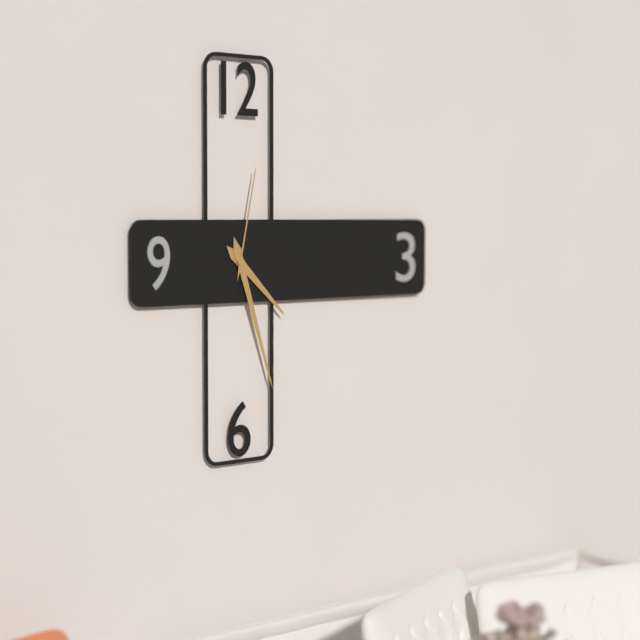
4.27.02
